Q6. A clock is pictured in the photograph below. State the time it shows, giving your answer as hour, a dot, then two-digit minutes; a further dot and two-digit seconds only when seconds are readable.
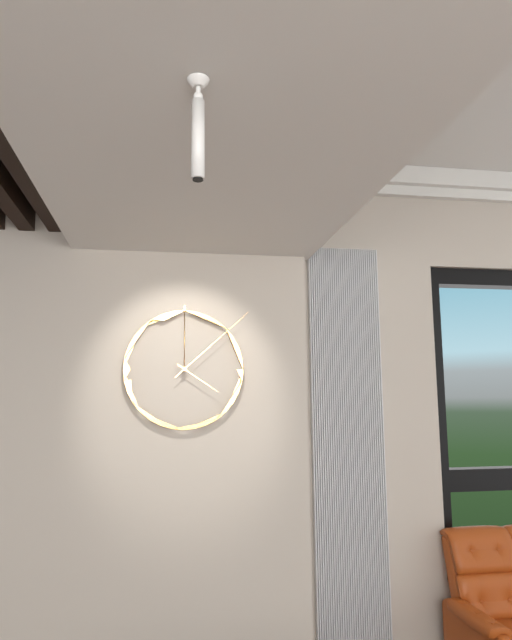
4.08
